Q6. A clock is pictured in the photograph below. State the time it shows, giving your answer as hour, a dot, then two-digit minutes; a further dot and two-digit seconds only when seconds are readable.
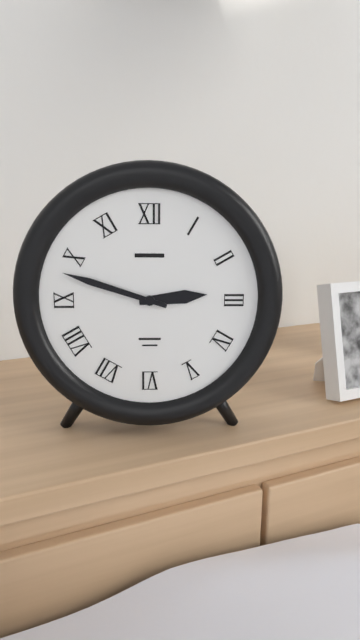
2.48
